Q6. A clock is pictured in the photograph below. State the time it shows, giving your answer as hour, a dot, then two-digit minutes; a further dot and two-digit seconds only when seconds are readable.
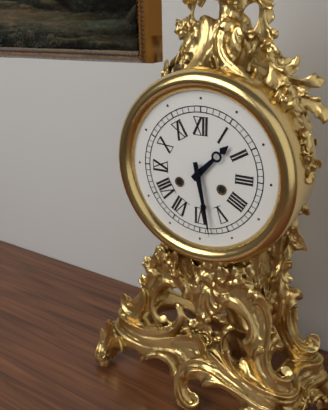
1.28
